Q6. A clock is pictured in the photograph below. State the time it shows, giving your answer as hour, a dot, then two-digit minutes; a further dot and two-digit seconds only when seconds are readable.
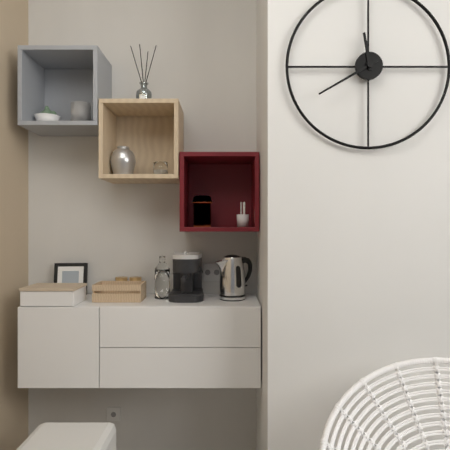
11.40
